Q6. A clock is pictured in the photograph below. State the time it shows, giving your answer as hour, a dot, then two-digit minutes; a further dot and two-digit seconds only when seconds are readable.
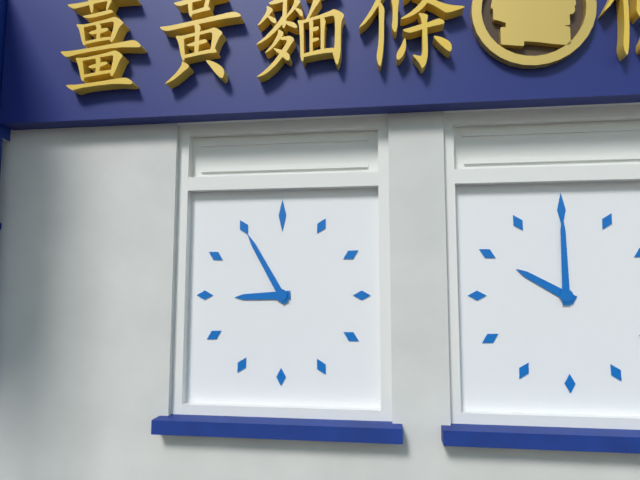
8.55
